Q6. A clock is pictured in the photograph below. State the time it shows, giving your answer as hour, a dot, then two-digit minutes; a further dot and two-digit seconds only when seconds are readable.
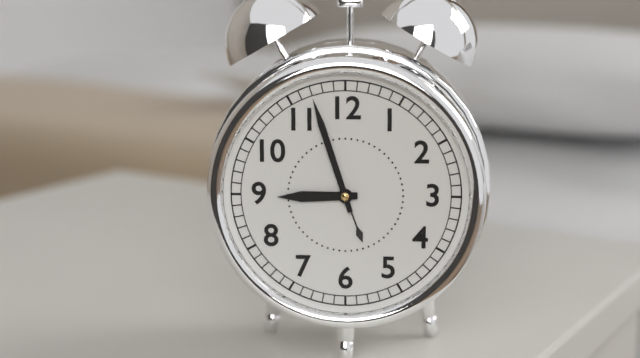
8.57
